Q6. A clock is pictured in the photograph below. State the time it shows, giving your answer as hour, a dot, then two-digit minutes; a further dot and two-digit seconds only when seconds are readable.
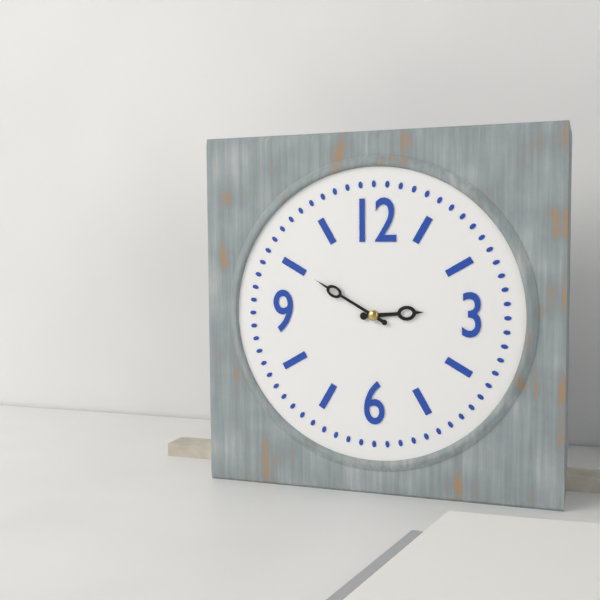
2.50
